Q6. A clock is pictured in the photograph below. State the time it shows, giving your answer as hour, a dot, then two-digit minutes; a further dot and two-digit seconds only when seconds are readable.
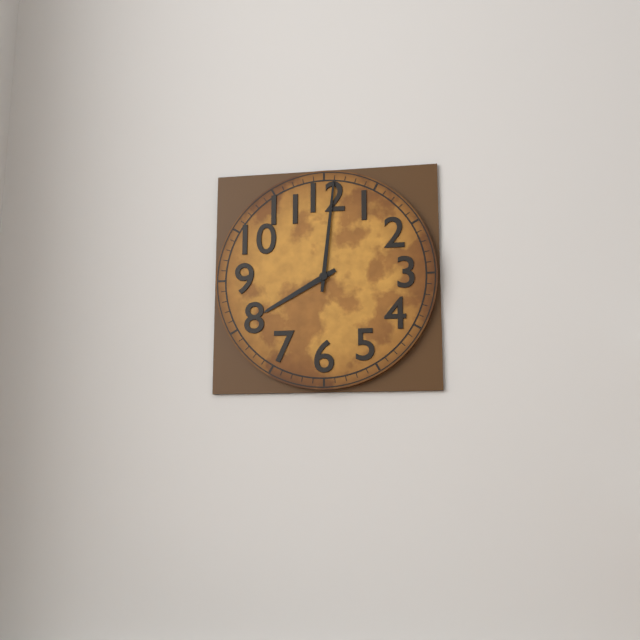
8.01
